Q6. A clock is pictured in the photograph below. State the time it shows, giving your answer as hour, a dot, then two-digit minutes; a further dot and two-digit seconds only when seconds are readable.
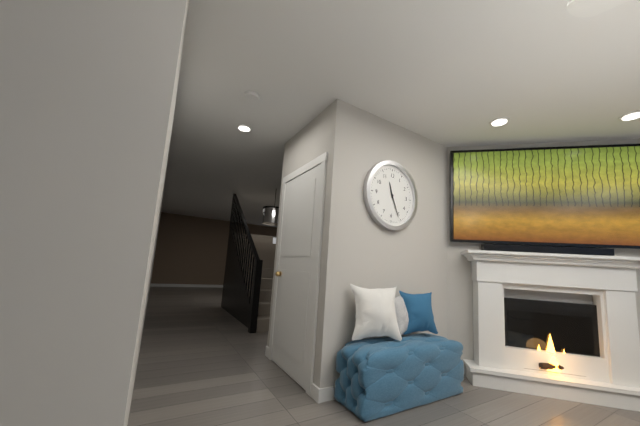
11.26
